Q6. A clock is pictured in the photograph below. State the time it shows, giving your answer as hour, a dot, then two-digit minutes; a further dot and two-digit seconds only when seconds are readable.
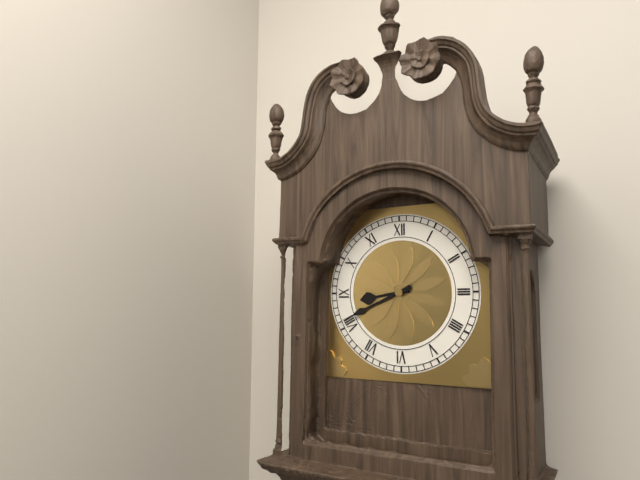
8.41
